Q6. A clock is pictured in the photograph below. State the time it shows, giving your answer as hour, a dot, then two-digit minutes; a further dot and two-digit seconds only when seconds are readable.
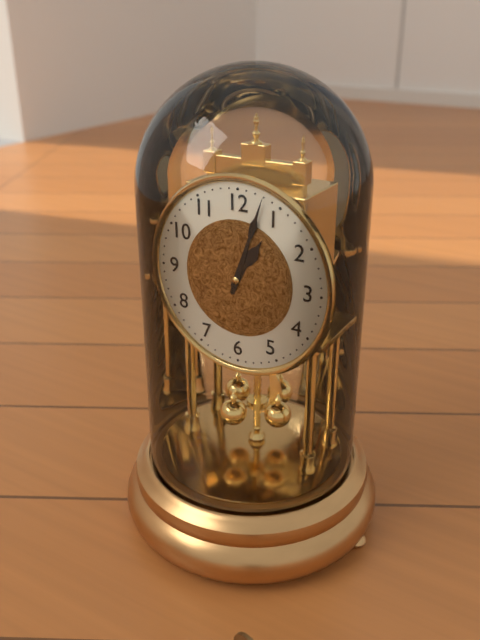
1.03
